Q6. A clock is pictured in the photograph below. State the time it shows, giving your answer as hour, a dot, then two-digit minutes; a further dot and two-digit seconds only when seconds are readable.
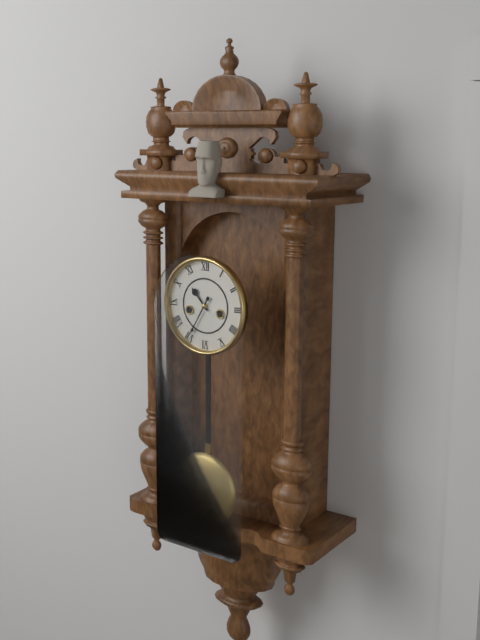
10.35
